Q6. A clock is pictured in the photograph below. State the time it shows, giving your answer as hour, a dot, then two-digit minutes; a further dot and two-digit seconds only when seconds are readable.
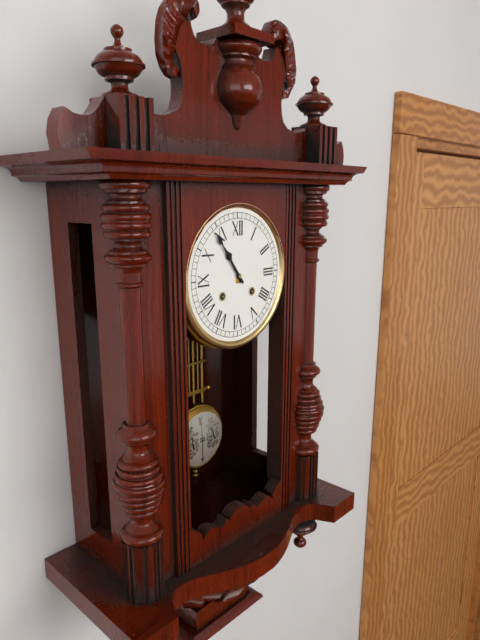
10.54
